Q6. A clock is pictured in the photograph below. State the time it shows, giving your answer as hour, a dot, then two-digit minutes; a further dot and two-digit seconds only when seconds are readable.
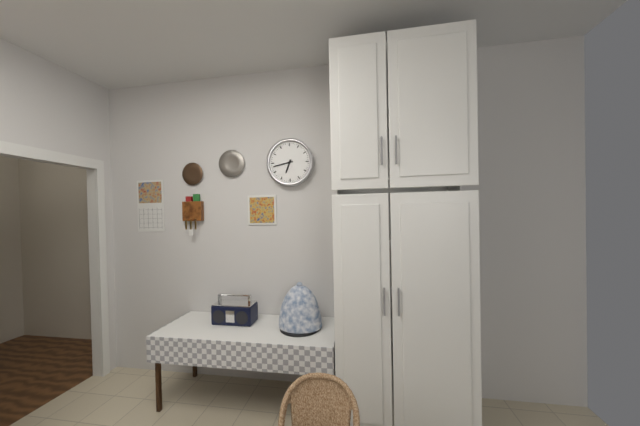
6.43
